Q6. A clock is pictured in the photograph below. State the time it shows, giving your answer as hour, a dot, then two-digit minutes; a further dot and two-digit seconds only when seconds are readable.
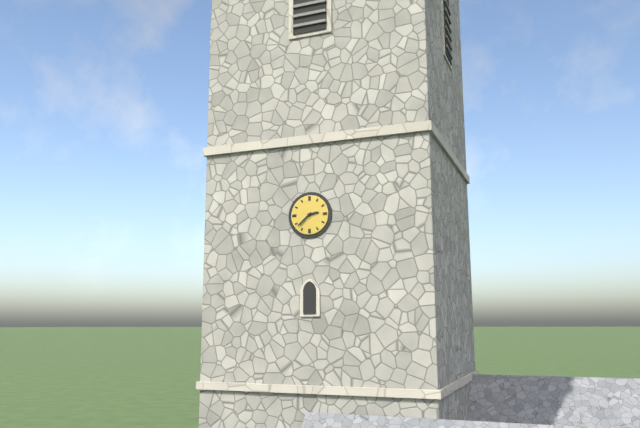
2.38
